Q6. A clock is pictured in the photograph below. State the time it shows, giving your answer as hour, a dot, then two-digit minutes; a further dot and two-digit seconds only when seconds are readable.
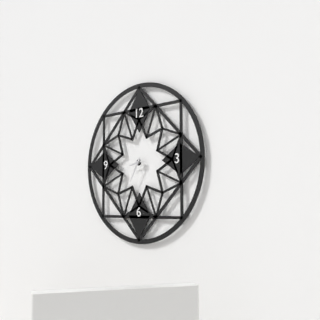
8.35
